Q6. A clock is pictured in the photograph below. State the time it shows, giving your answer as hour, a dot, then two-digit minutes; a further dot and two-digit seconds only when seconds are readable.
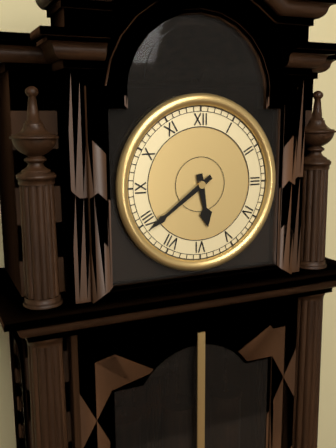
5.39
